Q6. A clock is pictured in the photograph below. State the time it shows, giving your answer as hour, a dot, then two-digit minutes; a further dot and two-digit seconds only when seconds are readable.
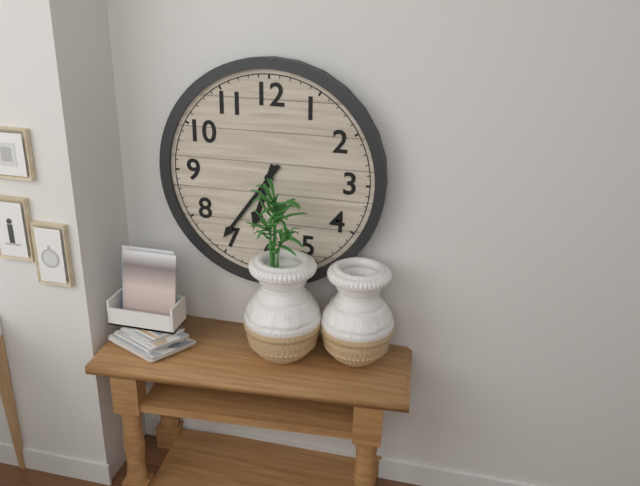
6.36
